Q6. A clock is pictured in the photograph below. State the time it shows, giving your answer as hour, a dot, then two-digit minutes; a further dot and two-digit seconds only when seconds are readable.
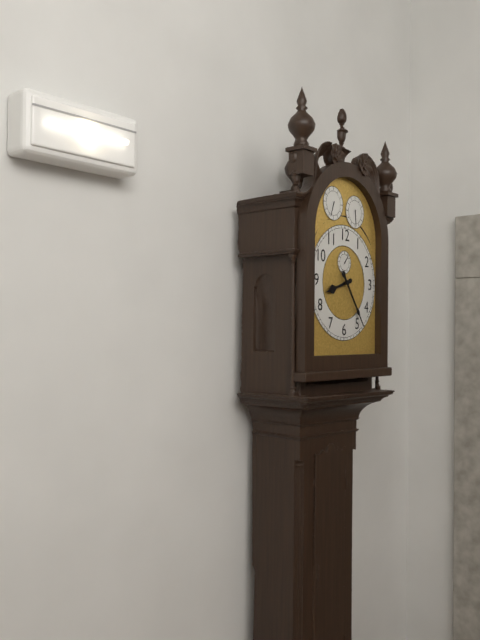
8.24
